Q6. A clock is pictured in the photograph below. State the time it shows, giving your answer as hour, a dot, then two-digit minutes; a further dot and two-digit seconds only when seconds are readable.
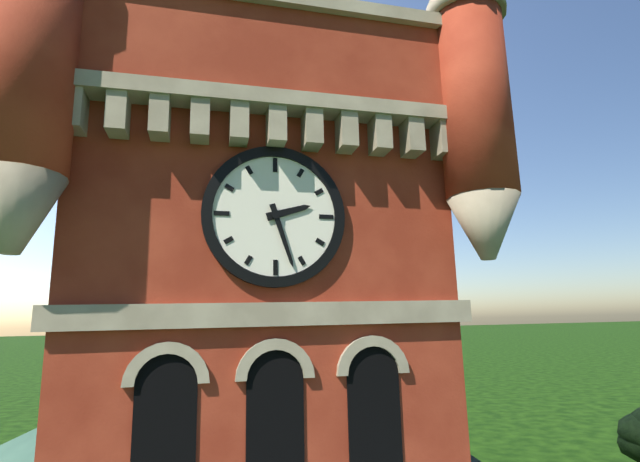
2.27
